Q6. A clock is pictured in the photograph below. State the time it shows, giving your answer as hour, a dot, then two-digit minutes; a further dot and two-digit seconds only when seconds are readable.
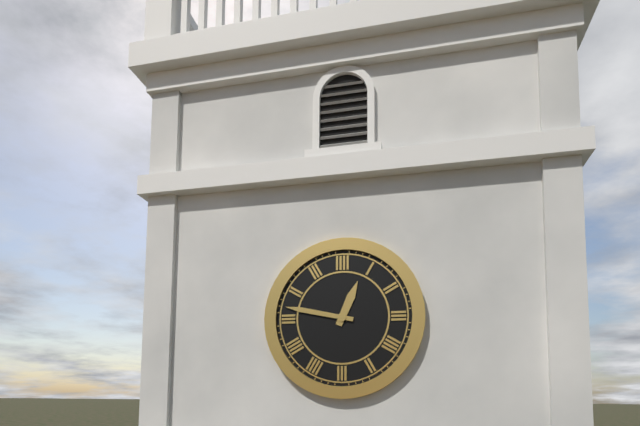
12.47
